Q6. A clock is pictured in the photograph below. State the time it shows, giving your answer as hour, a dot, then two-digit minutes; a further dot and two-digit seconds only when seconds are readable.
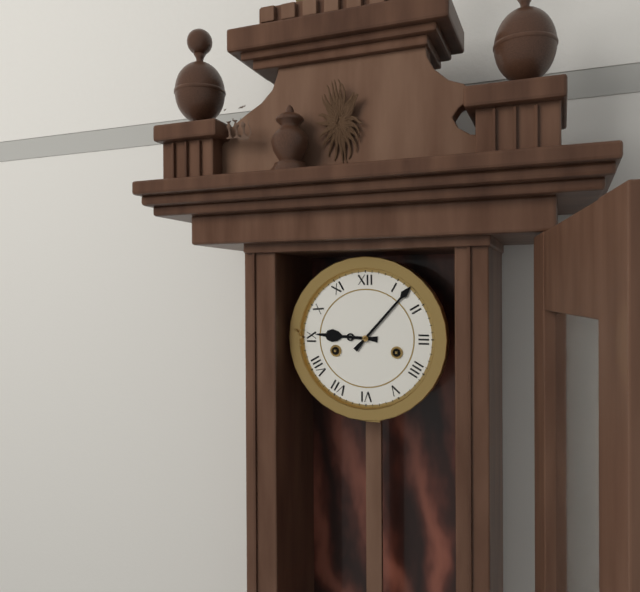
9.07
